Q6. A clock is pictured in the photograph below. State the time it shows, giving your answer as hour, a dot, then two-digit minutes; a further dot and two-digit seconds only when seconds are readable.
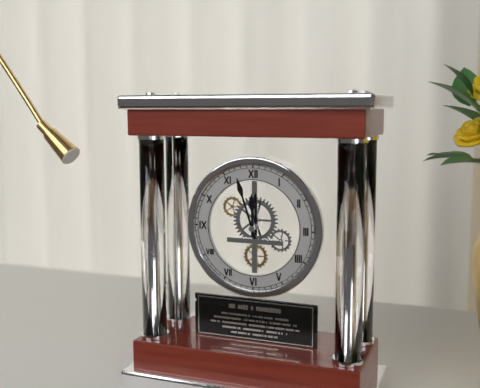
11.57
